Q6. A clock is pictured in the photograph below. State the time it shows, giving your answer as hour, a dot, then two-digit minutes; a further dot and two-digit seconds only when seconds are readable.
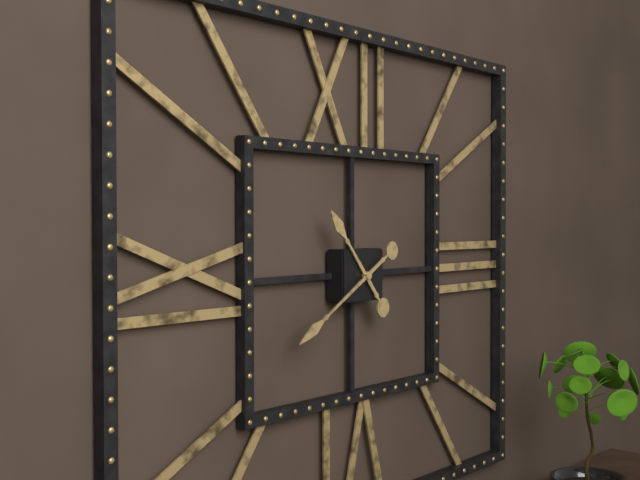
10.40
